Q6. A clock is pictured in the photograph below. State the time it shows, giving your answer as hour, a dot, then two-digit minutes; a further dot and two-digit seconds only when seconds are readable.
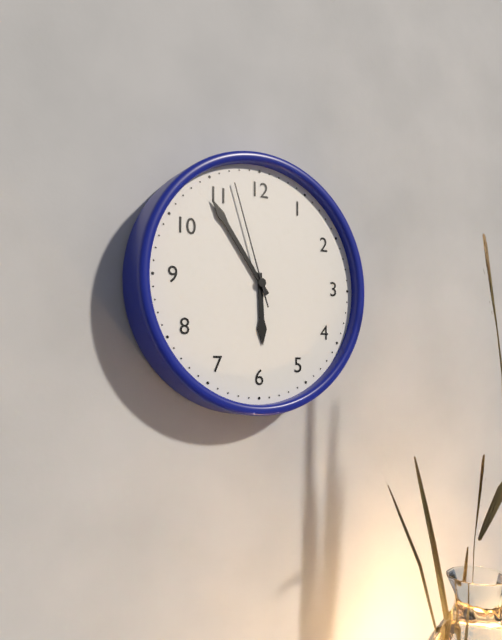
5.54.57
